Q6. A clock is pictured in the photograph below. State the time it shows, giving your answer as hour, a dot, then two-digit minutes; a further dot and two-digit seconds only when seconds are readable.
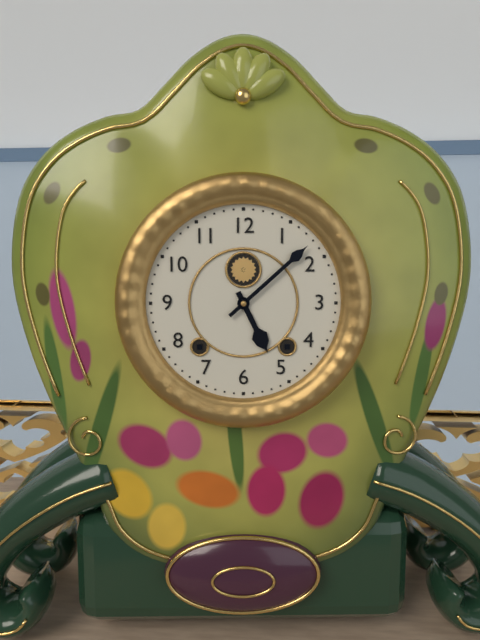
5.08
